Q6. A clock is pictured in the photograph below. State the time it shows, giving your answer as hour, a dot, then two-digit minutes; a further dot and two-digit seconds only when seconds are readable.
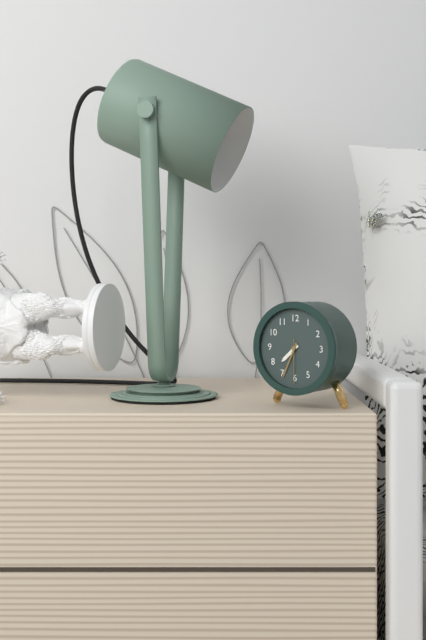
7.34
